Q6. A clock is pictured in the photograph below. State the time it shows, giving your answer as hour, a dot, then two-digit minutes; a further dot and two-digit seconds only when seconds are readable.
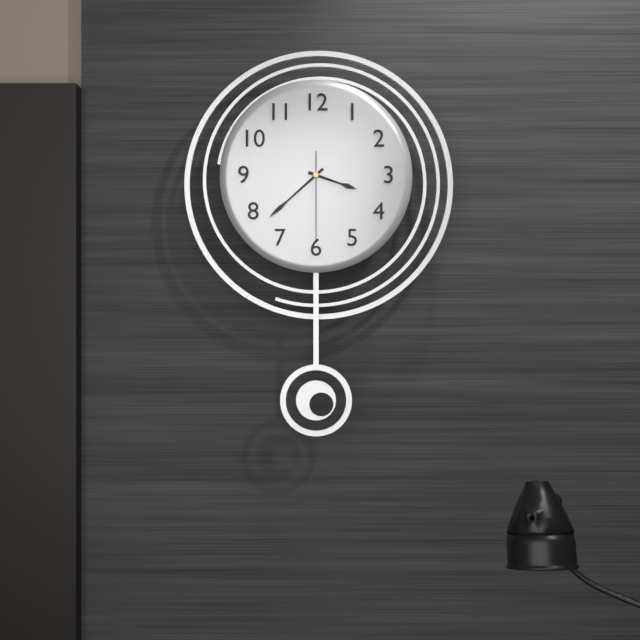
3.38.30
